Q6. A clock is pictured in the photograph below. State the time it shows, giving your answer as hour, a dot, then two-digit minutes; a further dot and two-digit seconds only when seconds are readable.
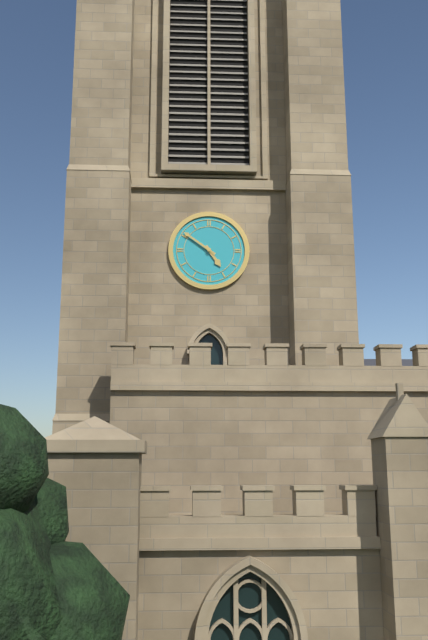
4.51
